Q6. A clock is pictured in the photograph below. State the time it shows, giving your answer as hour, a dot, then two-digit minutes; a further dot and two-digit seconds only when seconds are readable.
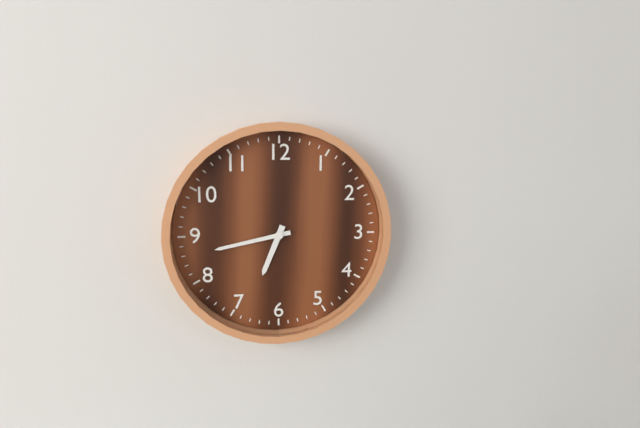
6.43
